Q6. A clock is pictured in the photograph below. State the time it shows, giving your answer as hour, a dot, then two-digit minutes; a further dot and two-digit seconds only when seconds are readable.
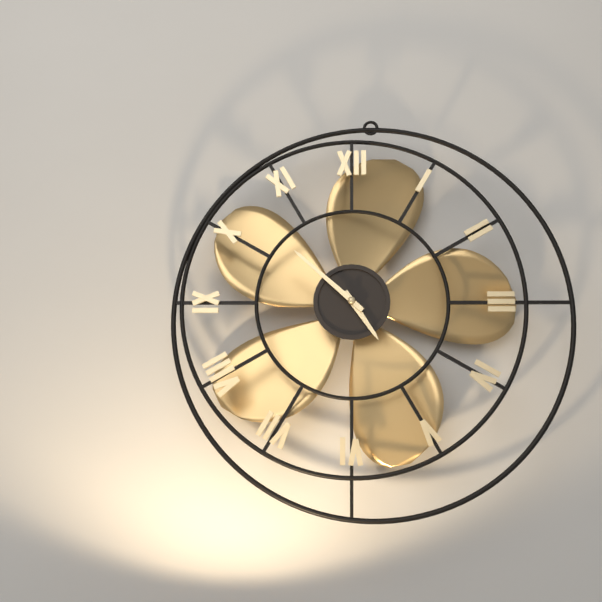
4.52
